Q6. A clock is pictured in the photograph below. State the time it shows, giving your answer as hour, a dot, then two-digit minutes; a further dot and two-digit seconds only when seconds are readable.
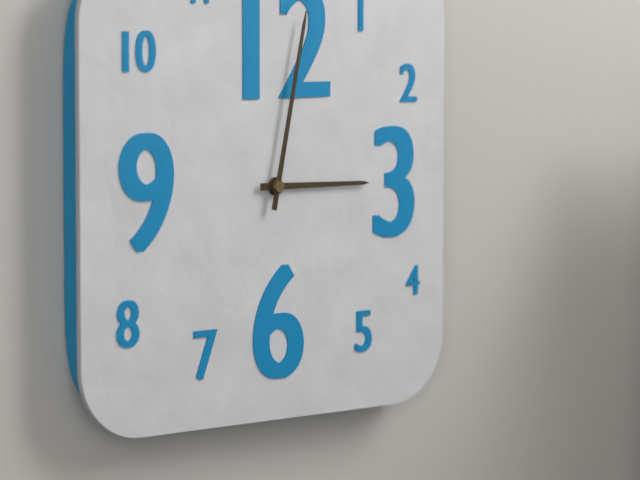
3.02
